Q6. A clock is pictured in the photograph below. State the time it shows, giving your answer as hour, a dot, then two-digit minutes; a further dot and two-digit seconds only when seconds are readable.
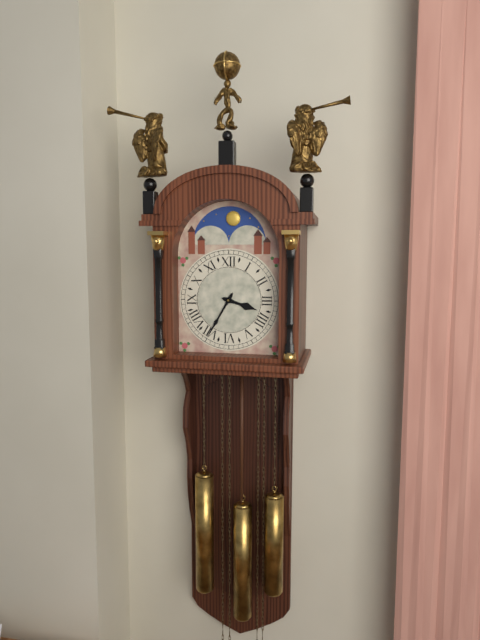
3.35
